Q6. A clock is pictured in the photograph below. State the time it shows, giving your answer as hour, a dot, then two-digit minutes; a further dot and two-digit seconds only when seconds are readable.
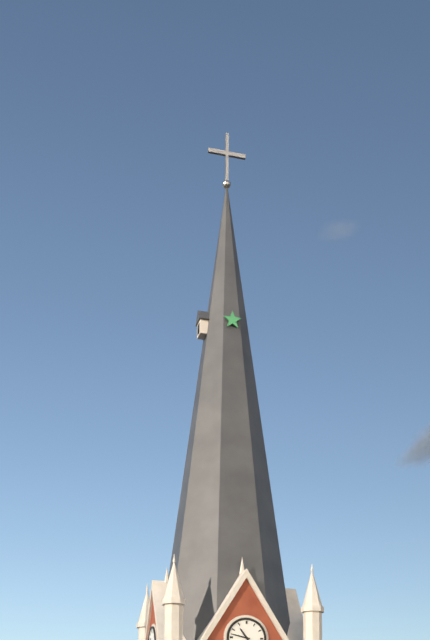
10.47
